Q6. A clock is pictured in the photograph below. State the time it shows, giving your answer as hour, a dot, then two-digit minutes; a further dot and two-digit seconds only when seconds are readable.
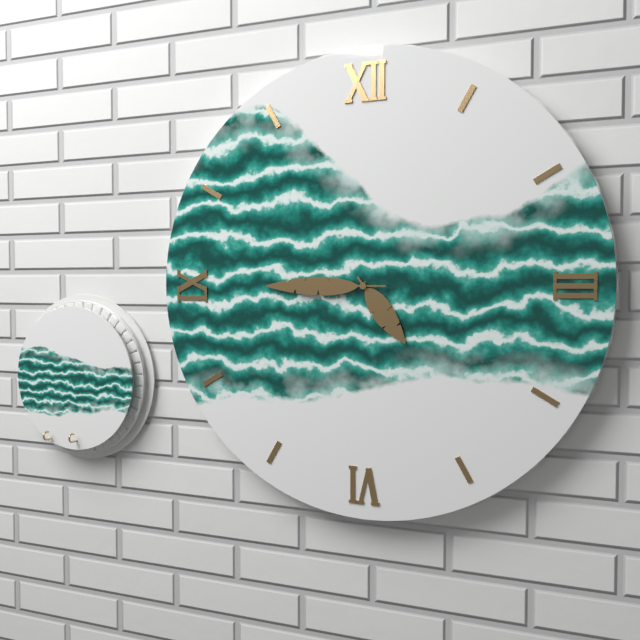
4.45
